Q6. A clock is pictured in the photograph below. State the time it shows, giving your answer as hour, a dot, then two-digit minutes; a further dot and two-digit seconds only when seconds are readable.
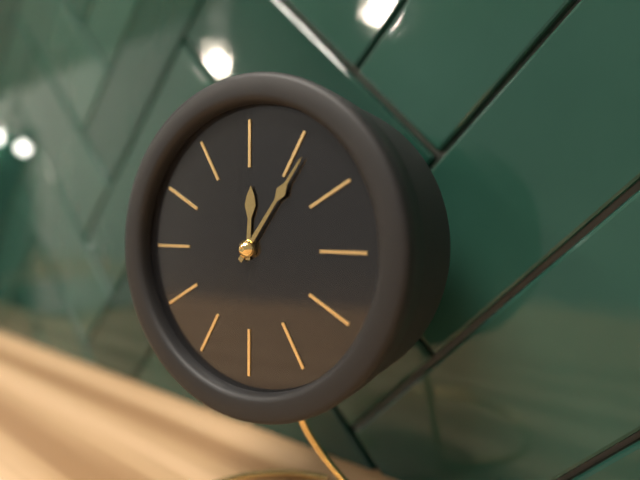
12.06
